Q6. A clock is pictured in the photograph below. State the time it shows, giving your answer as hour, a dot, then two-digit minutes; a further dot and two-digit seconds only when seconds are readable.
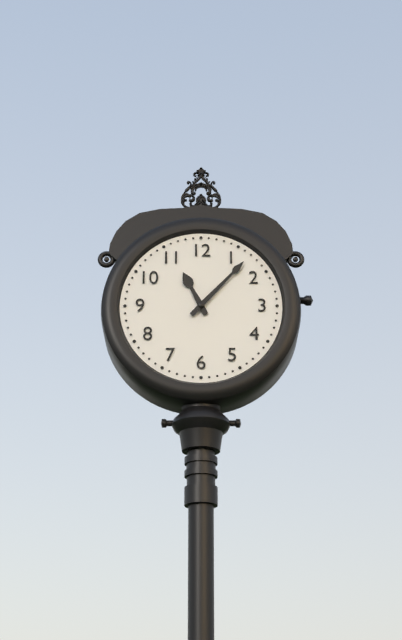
11.07
